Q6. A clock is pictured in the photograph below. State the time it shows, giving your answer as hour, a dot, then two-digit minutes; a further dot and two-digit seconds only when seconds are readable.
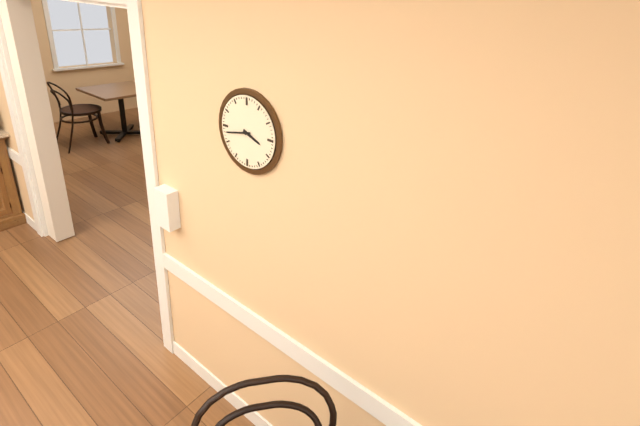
3.43
